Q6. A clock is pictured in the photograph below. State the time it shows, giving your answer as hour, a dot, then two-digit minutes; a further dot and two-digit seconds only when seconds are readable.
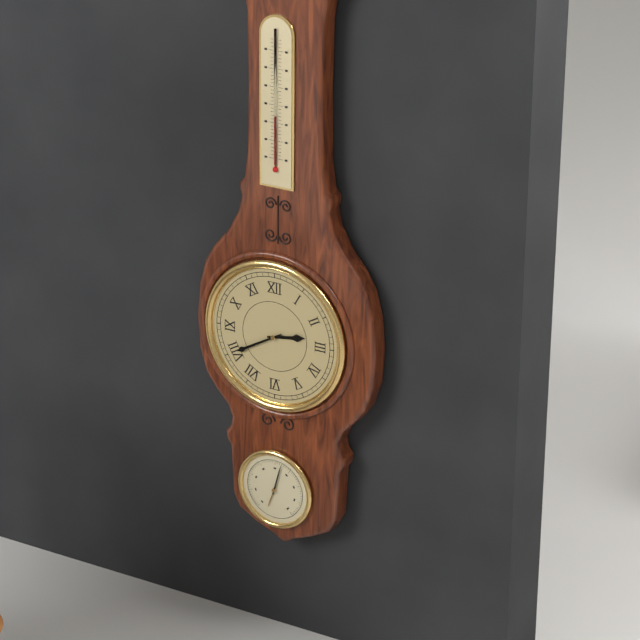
2.40
